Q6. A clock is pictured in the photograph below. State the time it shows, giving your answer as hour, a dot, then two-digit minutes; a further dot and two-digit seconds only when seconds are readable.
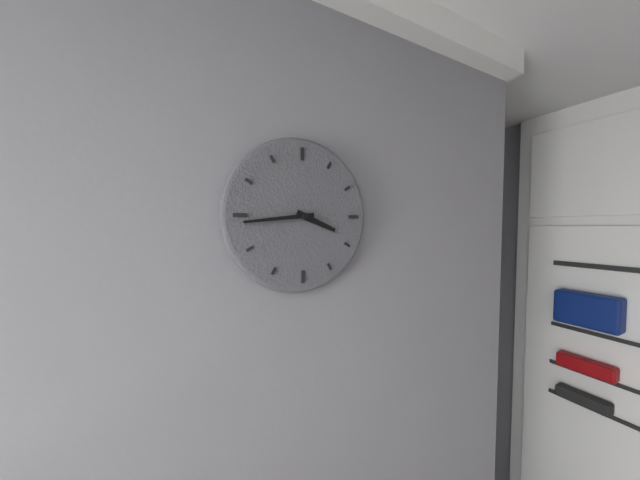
3.44
